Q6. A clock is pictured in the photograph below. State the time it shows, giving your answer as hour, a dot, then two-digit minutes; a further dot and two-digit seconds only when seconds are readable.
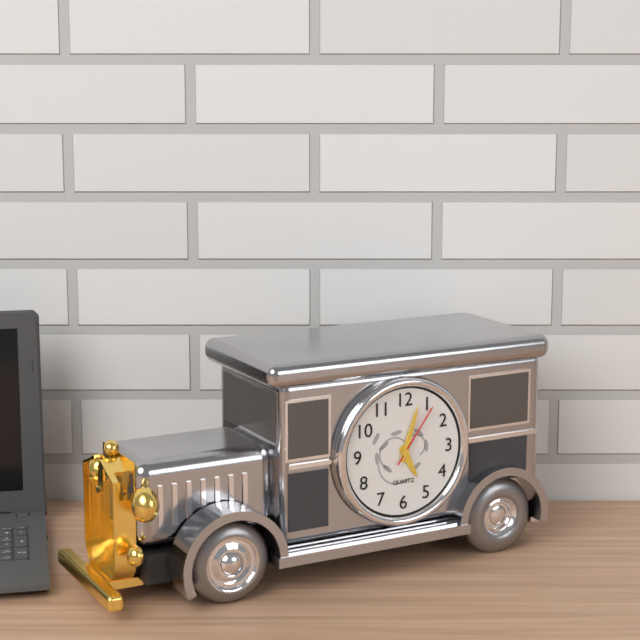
5.03.06
